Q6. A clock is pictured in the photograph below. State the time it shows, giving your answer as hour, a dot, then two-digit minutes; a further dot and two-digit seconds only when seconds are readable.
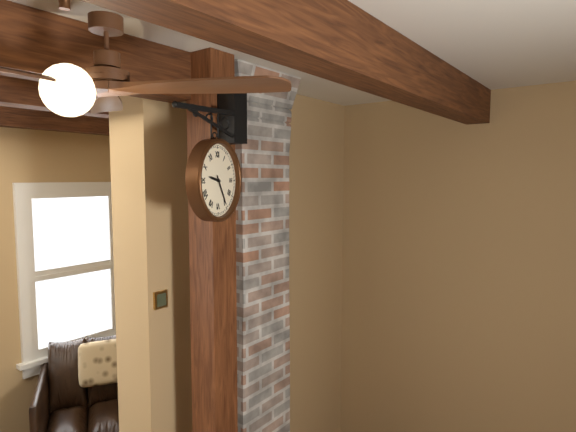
9.25
